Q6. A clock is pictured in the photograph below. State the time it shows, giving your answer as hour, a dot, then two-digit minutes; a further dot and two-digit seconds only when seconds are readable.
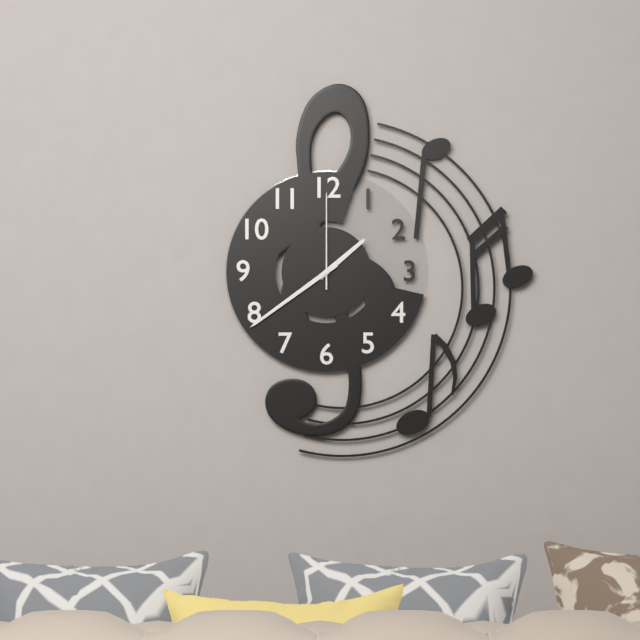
1.39.00
